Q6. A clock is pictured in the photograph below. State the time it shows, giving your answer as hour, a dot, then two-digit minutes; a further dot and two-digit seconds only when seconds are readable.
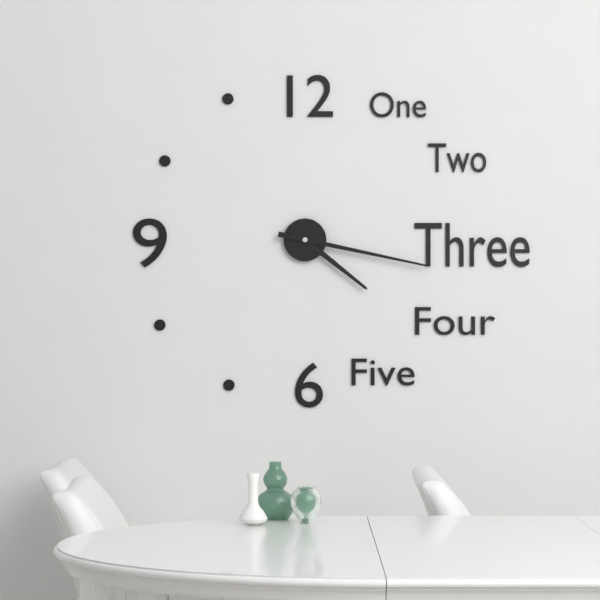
4.17
